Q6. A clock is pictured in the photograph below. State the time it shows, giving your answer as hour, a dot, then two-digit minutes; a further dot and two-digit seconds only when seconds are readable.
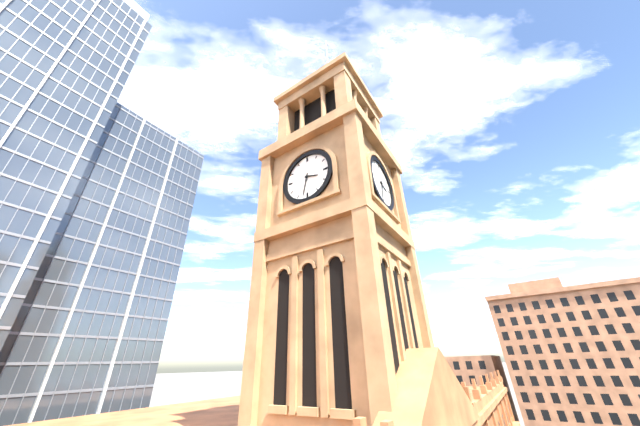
3.32
